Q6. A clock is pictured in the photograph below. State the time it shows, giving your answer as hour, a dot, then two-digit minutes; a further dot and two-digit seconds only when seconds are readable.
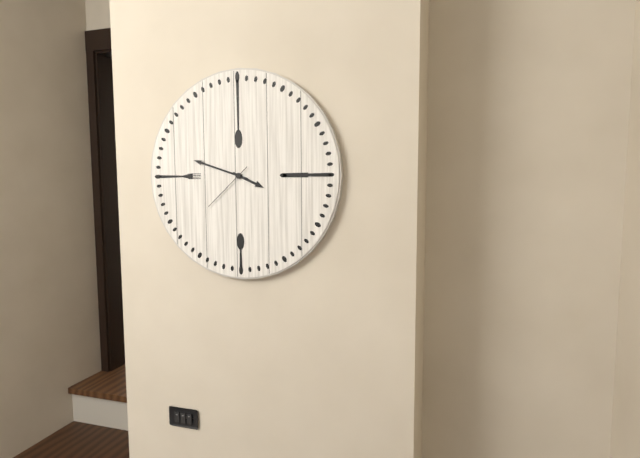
3.48.38
